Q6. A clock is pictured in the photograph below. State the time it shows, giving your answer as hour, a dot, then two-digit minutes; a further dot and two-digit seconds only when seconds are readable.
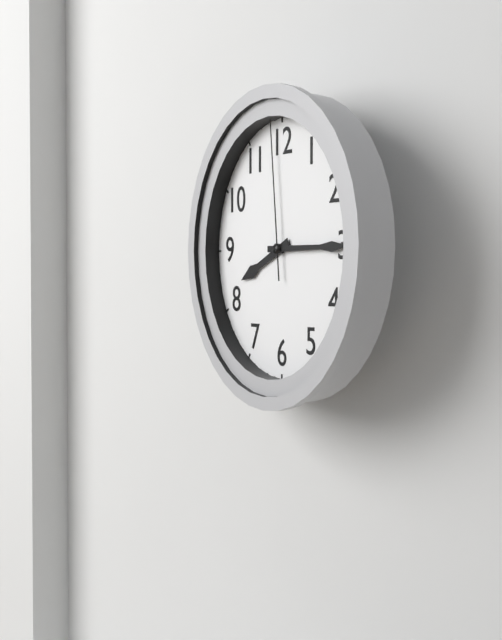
8.15.59
